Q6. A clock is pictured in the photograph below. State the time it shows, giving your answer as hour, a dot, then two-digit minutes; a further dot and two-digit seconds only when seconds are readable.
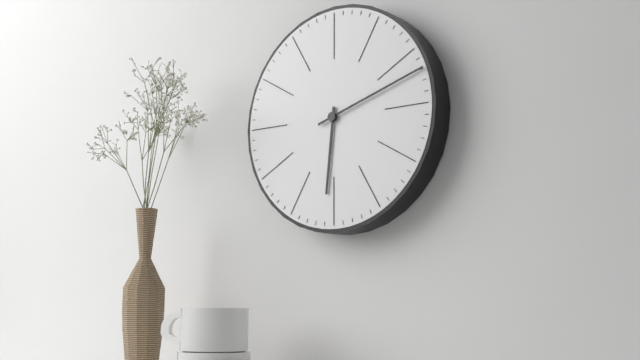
6.12
